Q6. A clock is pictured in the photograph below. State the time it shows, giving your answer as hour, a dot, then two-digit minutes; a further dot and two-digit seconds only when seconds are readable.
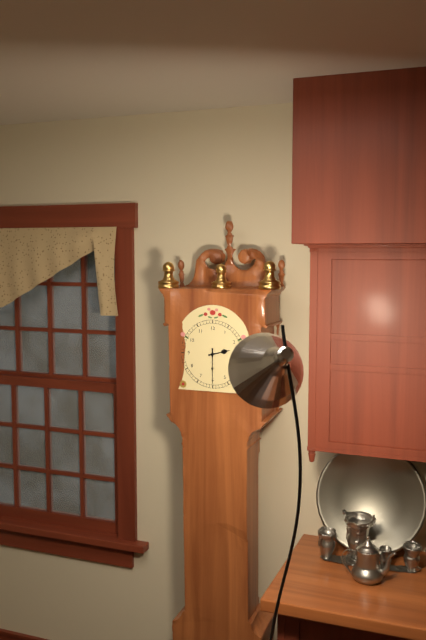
2.30
